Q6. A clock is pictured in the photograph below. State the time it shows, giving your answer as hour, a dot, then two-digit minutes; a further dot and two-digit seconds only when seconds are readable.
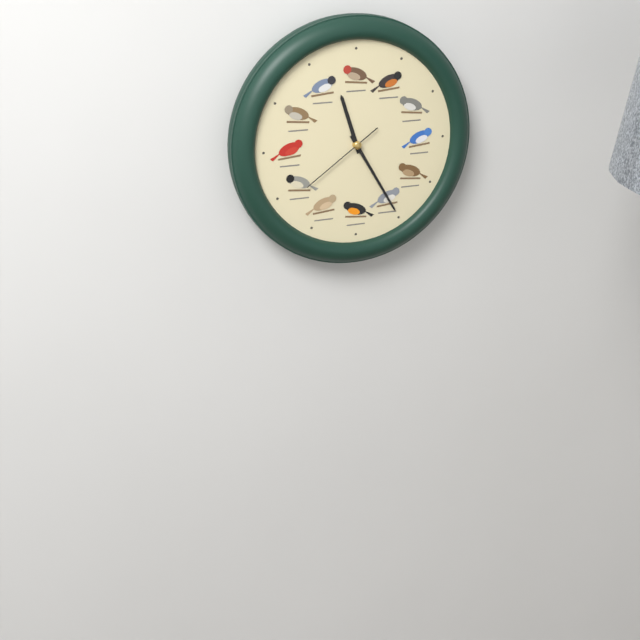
11.25.39
